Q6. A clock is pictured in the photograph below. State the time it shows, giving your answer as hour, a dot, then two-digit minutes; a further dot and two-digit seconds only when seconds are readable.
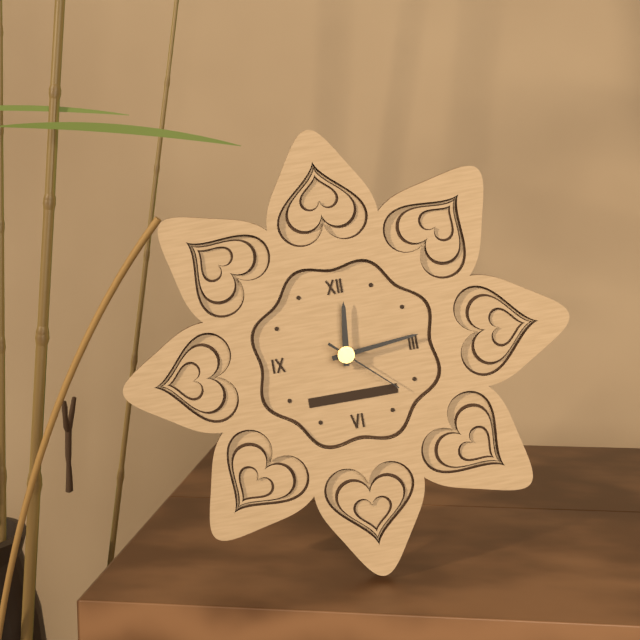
12.14.22
